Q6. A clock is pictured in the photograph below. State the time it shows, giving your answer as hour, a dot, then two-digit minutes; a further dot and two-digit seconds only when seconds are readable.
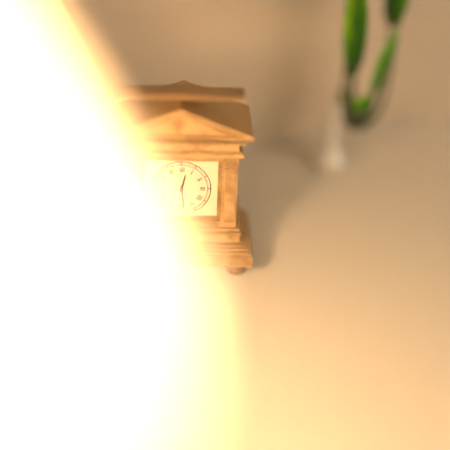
12.29
